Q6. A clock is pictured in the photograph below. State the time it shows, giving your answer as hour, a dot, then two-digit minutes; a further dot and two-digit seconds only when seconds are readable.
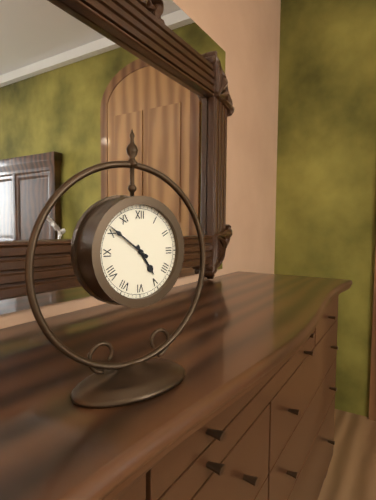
4.51
